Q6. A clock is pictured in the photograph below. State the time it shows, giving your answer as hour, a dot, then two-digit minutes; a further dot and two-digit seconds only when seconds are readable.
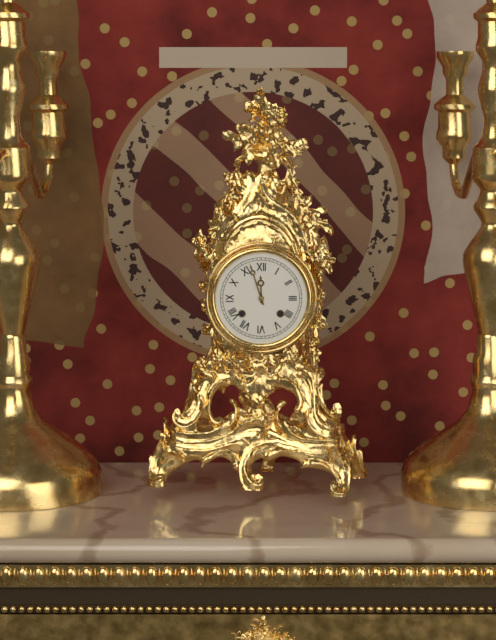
11.57
